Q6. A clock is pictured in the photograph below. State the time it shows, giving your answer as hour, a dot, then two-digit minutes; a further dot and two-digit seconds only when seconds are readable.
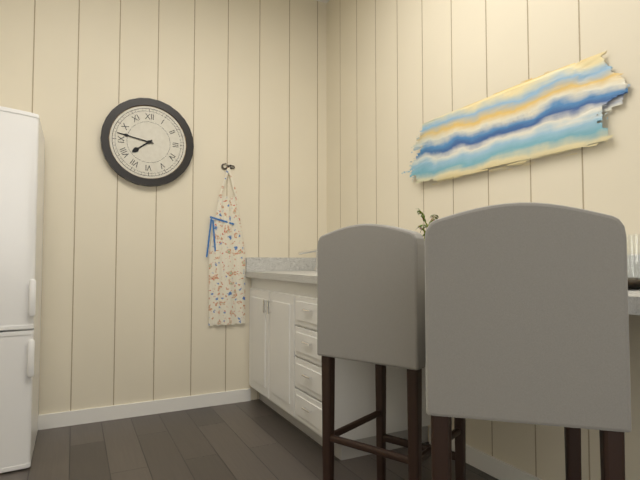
7.47
